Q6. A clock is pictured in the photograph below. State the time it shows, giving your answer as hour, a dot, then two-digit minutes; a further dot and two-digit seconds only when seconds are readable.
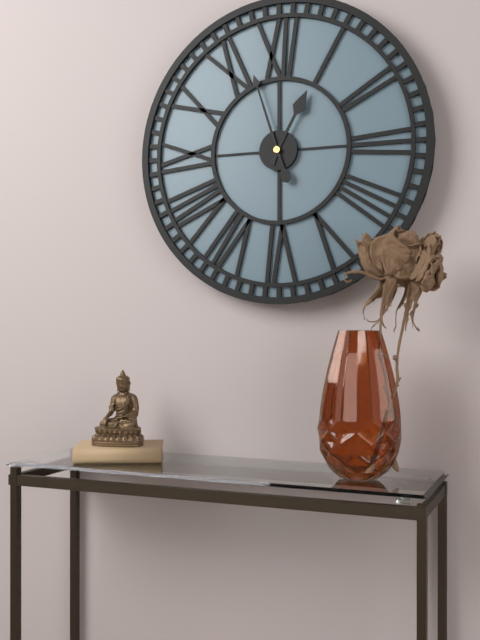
12.57
